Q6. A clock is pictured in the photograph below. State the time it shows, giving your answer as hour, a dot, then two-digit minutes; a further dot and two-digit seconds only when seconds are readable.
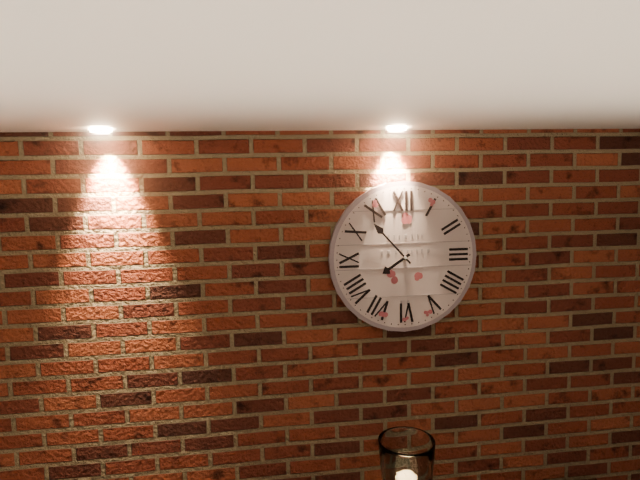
7.53
